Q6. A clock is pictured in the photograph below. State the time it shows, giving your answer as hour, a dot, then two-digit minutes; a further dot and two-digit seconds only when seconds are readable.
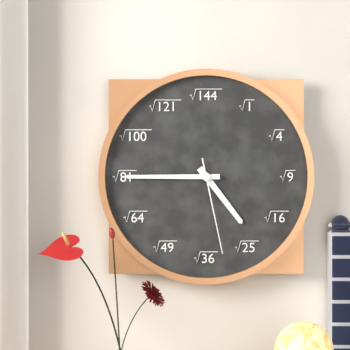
4.45.28
